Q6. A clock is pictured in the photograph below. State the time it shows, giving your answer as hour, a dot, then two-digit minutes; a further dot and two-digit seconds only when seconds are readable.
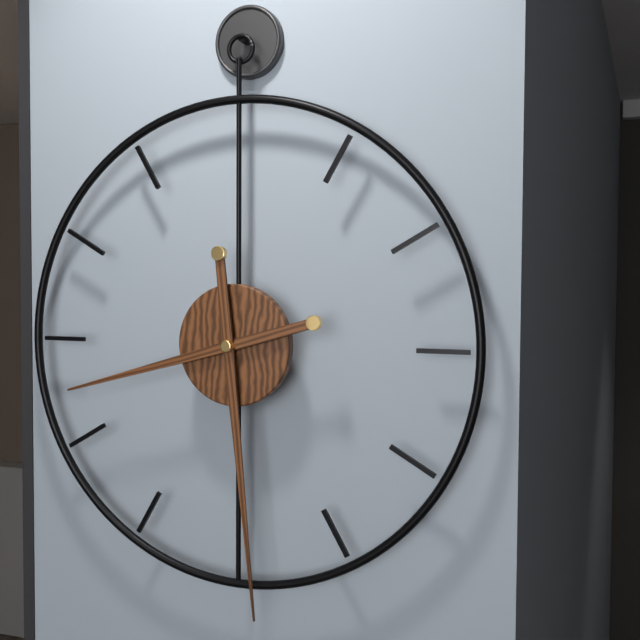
8.29
